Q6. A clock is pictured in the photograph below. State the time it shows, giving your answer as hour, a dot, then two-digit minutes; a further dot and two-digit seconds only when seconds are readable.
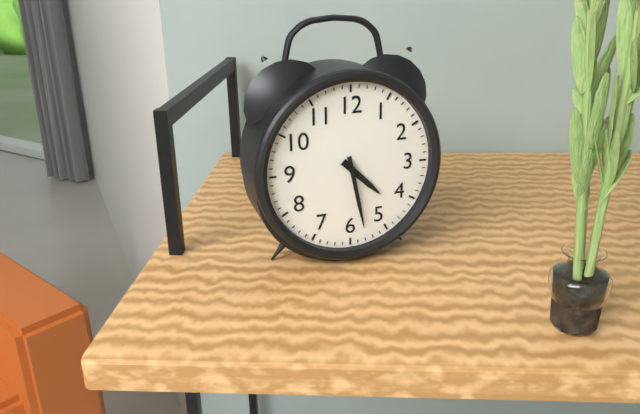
4.28
